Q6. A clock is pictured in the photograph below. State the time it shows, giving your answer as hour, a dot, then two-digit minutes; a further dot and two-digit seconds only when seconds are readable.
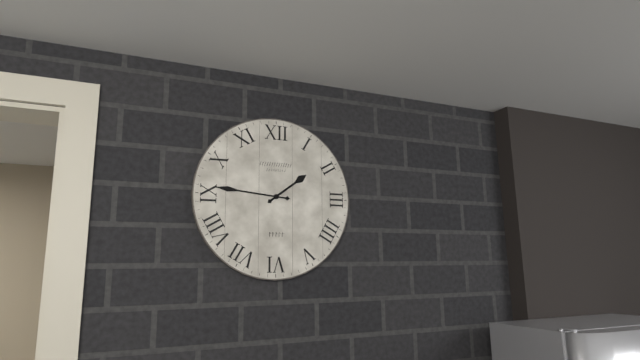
1.46
